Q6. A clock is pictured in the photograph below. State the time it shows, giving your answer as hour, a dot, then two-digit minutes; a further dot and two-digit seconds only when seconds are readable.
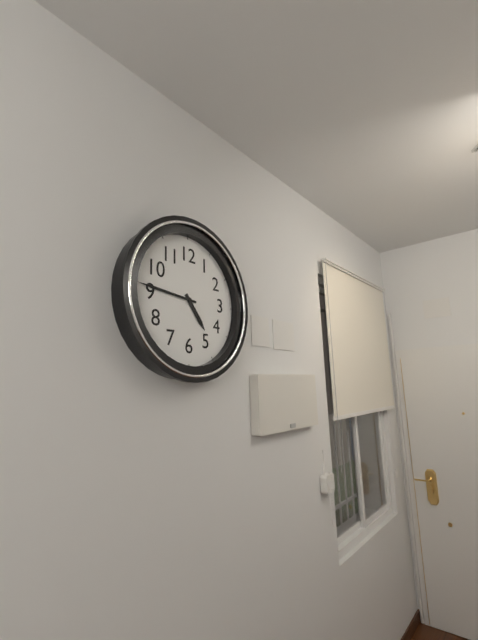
4.46
